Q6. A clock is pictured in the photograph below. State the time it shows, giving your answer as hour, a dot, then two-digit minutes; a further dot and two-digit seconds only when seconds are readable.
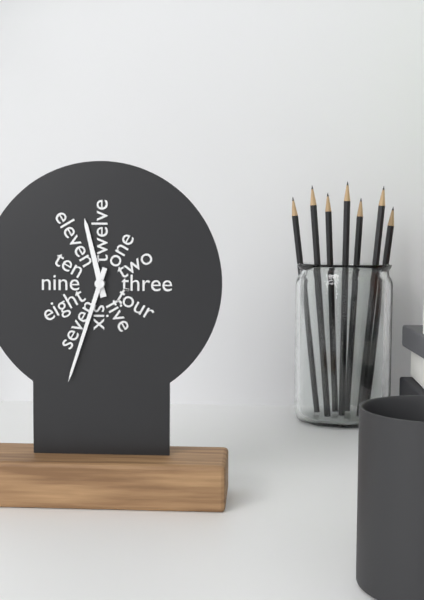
11.33
